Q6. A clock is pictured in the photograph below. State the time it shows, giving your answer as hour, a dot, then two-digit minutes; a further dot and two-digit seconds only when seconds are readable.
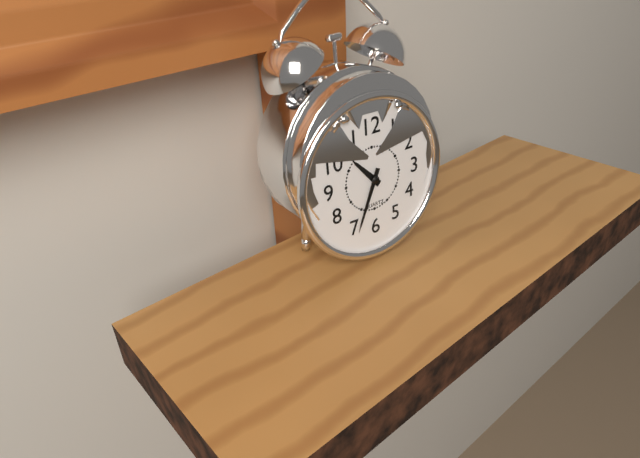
10.34
